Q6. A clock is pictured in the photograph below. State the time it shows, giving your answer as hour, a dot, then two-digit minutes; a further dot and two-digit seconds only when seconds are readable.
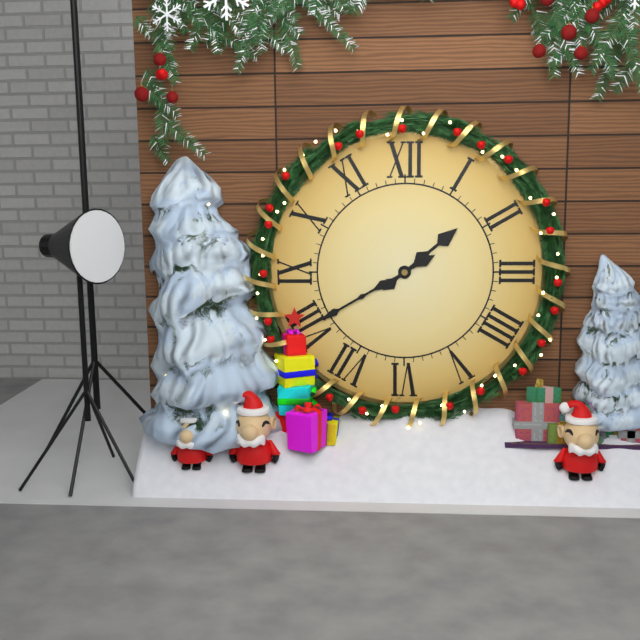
1.40
